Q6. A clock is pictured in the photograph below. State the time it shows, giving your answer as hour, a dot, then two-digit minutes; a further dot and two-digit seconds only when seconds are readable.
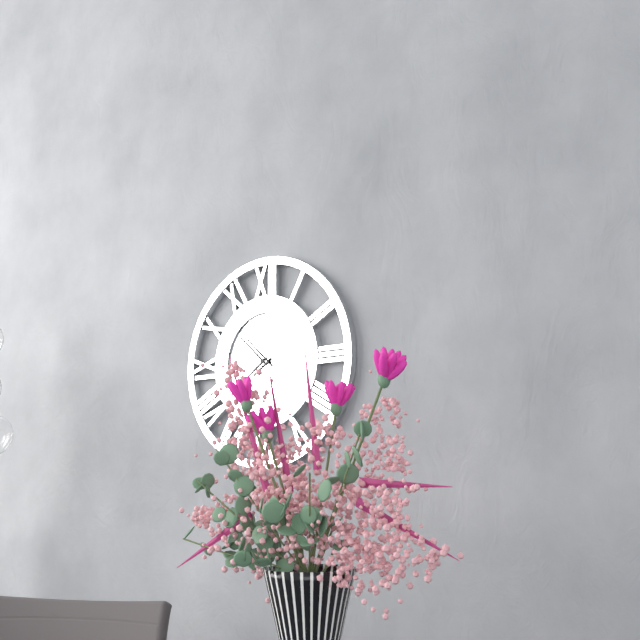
7.52
